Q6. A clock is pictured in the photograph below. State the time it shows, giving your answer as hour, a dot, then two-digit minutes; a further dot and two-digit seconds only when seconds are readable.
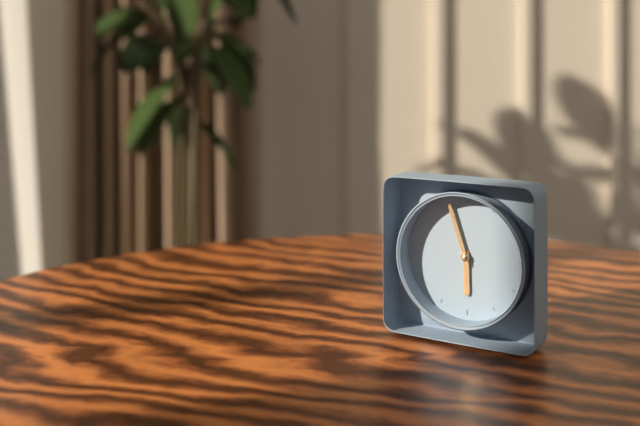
5.57
